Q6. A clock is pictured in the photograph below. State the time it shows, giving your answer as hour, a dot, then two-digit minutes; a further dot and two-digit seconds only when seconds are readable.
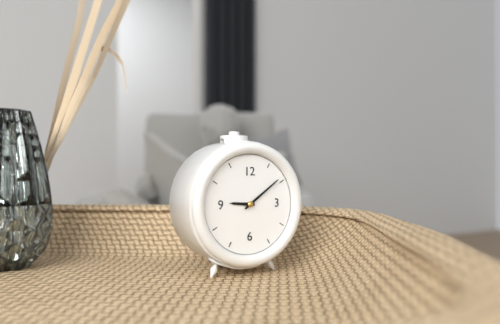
9.09
